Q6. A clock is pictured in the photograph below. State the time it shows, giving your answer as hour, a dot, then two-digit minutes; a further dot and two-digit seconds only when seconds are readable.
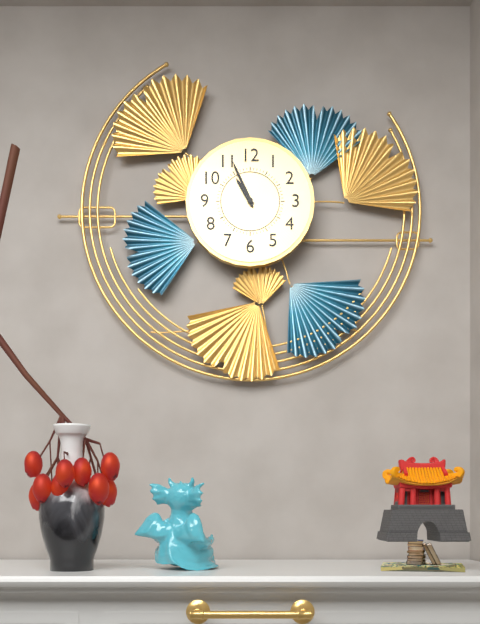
10.56
